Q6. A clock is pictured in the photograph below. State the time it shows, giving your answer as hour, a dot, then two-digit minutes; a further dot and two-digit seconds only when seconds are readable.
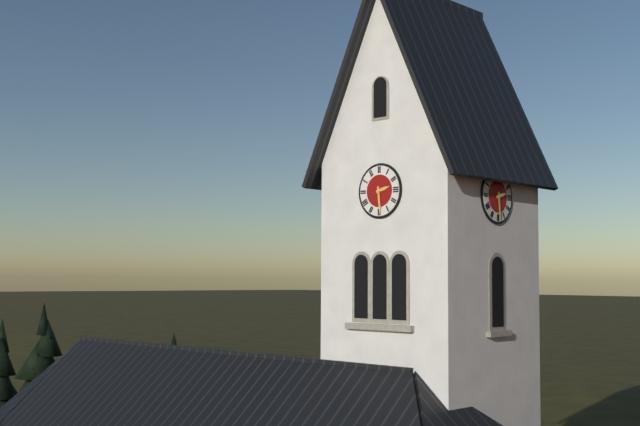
2.29
